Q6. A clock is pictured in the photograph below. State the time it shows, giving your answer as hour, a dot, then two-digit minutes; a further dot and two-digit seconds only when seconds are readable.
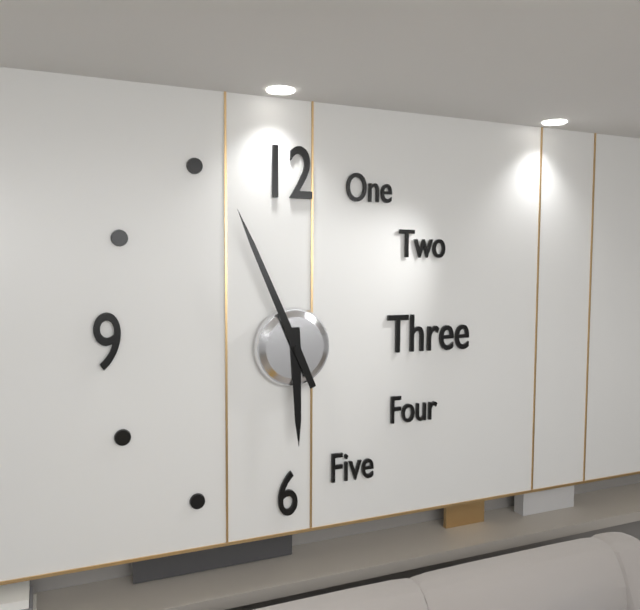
5.56
